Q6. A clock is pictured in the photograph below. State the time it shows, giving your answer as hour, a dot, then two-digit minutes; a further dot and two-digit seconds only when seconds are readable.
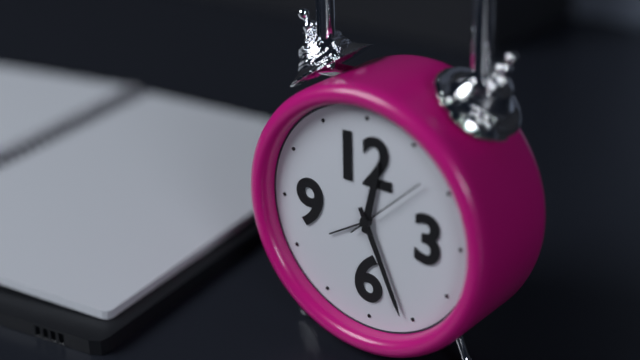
12.26
